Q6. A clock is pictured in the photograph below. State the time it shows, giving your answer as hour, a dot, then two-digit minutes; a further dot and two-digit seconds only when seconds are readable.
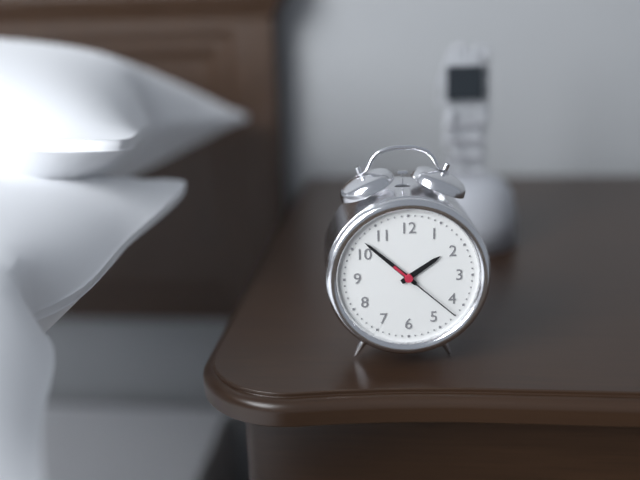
1.52.22
